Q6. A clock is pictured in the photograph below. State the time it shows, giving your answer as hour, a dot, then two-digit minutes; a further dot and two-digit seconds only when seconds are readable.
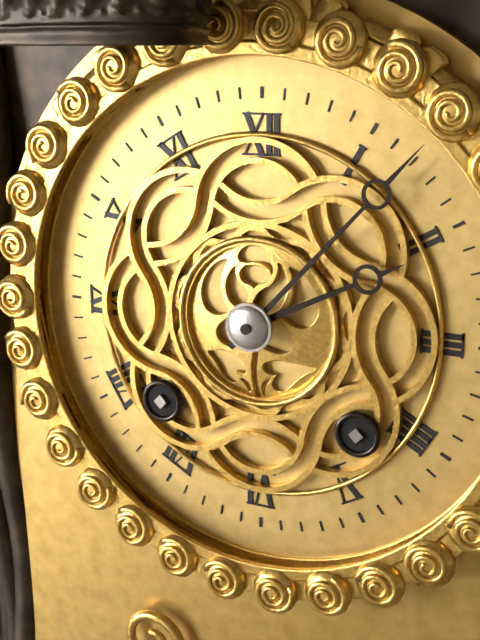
2.07
